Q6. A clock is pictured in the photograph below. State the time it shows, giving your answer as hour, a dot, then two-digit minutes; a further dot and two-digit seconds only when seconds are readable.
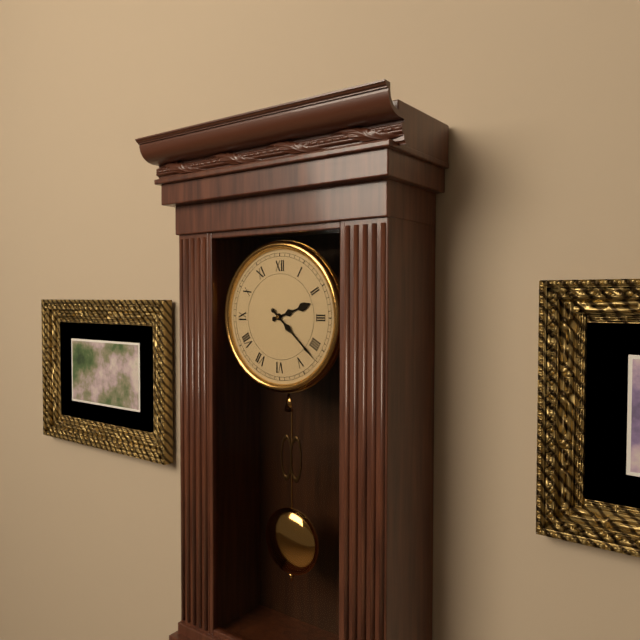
2.22
